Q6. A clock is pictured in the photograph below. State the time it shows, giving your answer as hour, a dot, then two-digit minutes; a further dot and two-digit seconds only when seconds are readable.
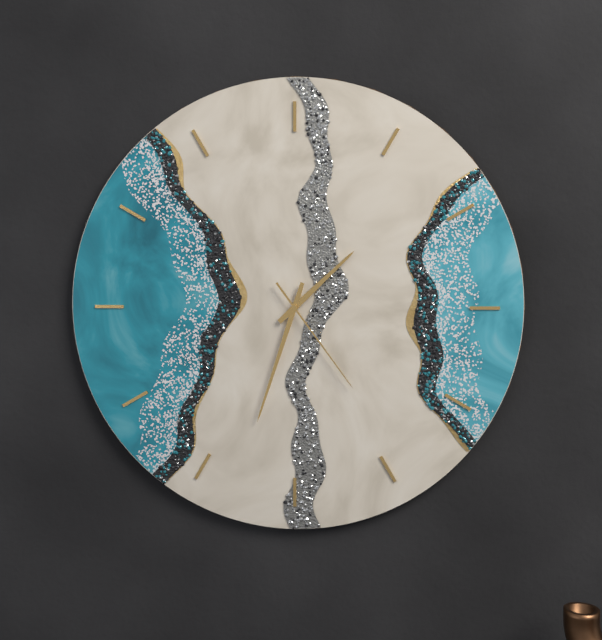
1.33.24
